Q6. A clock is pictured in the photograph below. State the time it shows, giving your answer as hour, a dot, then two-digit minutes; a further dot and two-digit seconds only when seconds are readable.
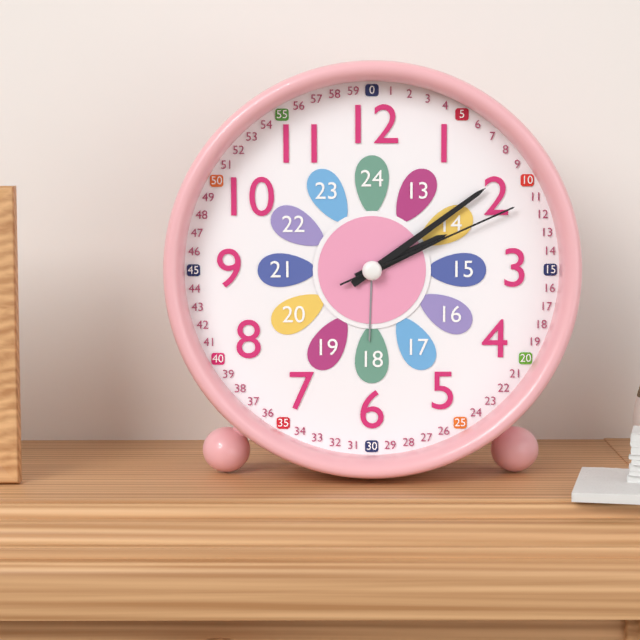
2.09.11
